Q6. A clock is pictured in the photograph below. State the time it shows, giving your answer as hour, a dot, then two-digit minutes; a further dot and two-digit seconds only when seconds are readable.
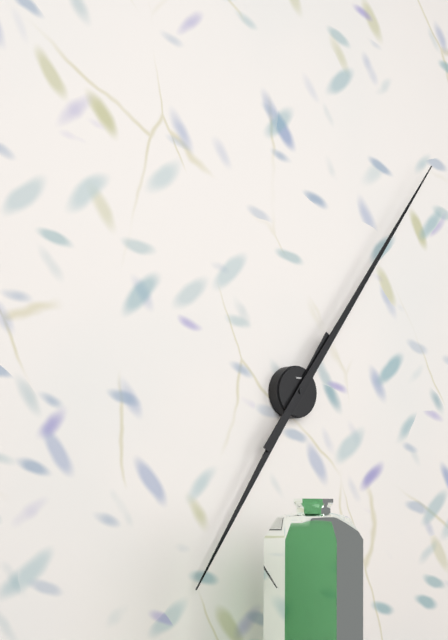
7.06
